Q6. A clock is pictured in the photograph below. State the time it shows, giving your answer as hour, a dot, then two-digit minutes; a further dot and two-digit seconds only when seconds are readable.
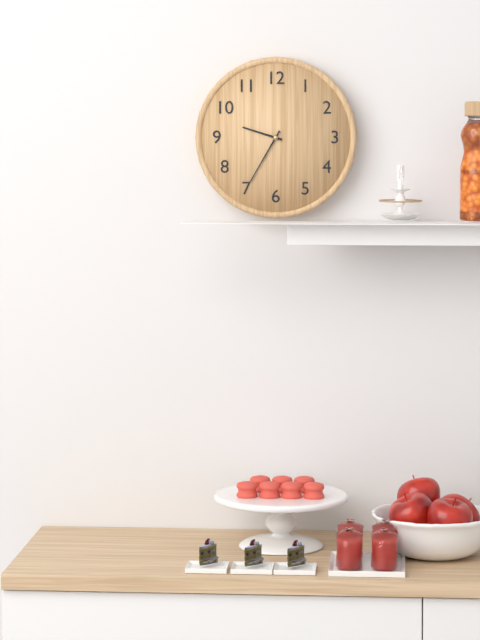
9.35
